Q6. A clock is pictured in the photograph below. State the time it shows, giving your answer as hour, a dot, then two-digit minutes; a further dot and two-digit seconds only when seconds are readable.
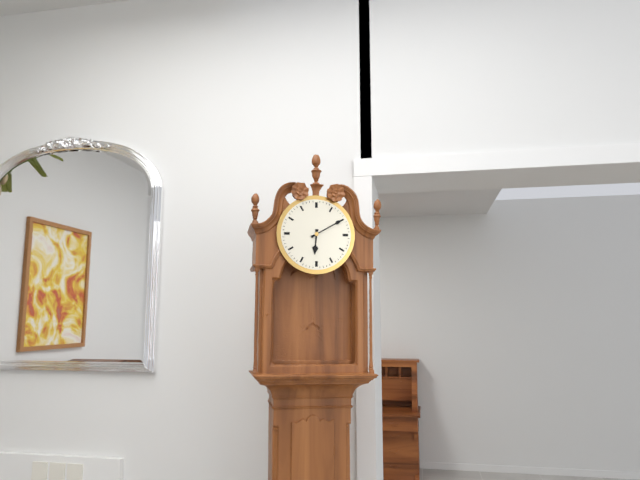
6.10
